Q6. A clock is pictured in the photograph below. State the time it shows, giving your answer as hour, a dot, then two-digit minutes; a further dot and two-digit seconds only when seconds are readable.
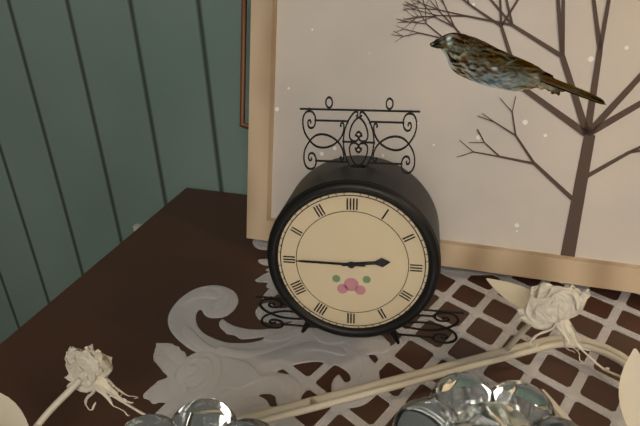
2.45
